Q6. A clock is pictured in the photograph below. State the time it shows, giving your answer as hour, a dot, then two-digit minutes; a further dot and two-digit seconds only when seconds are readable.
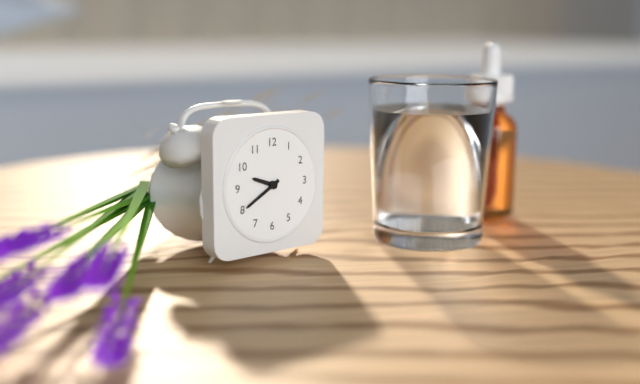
9.40
